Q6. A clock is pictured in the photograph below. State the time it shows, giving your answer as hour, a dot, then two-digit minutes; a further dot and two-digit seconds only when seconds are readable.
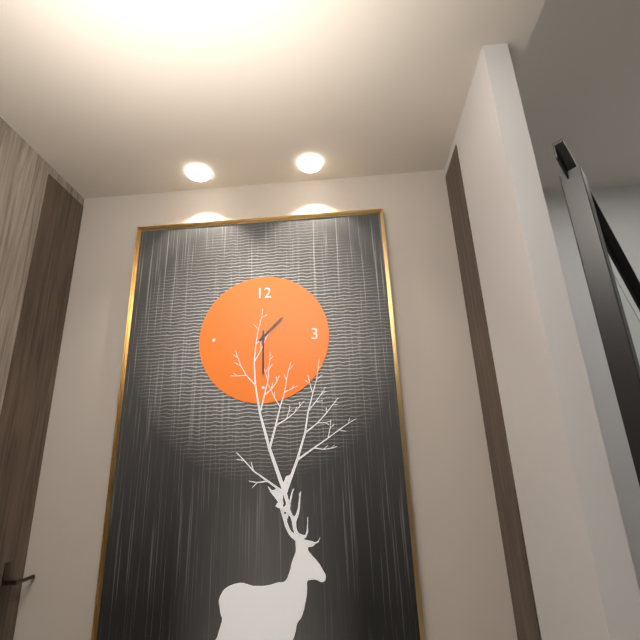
1.30
